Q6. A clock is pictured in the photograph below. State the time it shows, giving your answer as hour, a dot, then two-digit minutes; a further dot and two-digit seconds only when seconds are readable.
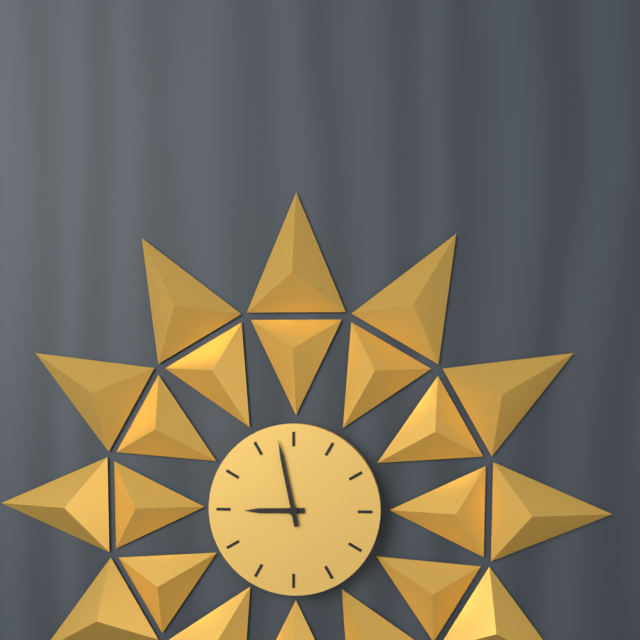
8.58
